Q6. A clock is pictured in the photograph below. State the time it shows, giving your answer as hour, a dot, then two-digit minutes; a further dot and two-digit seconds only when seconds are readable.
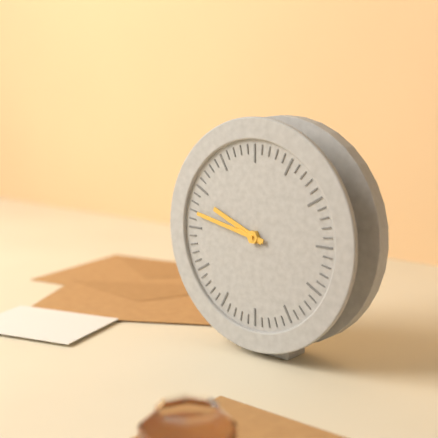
9.47
